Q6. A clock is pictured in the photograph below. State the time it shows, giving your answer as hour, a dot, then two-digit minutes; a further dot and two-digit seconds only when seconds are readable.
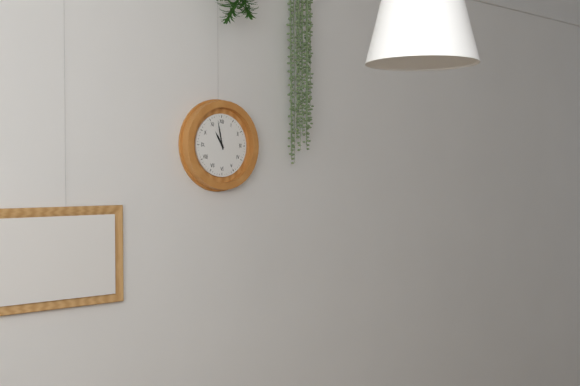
10.58
